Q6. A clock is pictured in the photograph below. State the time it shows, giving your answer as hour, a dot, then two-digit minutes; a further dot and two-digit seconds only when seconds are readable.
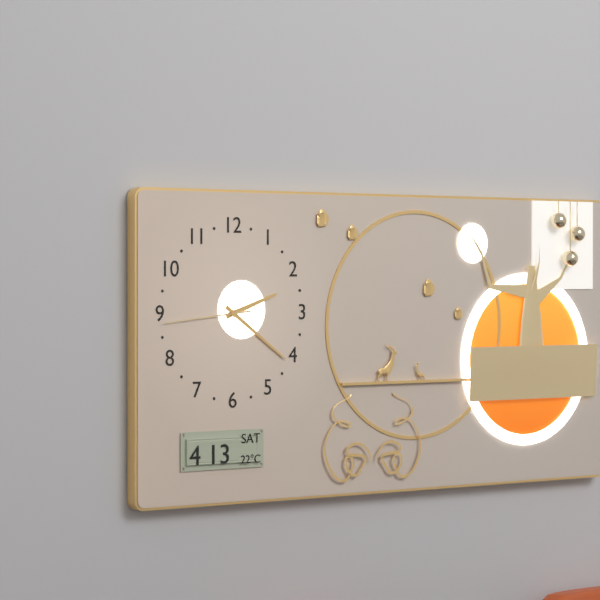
2.21.44
